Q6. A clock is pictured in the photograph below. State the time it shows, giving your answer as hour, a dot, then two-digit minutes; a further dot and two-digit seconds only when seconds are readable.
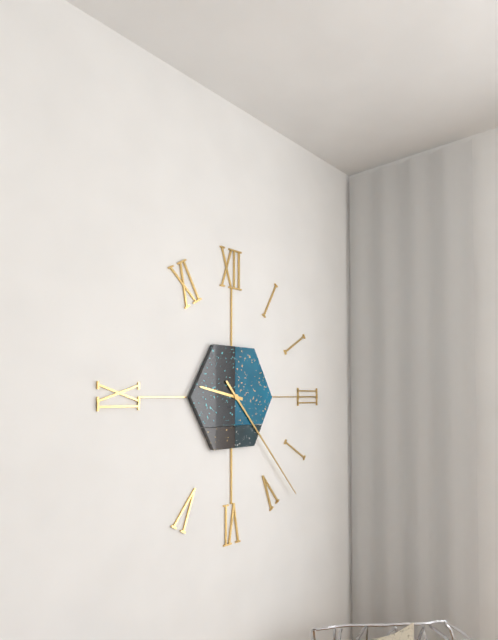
9.23
